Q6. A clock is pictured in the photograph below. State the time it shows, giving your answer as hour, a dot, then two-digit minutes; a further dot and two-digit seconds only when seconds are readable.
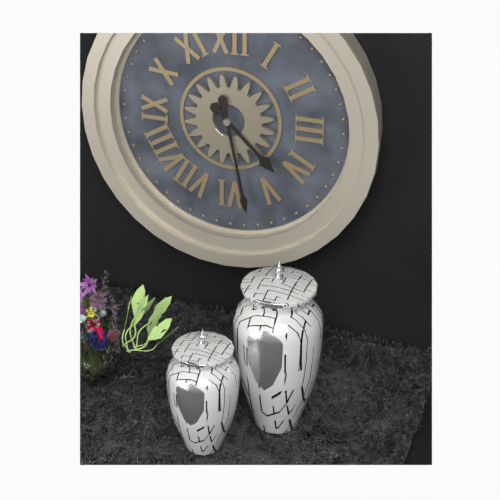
4.28
